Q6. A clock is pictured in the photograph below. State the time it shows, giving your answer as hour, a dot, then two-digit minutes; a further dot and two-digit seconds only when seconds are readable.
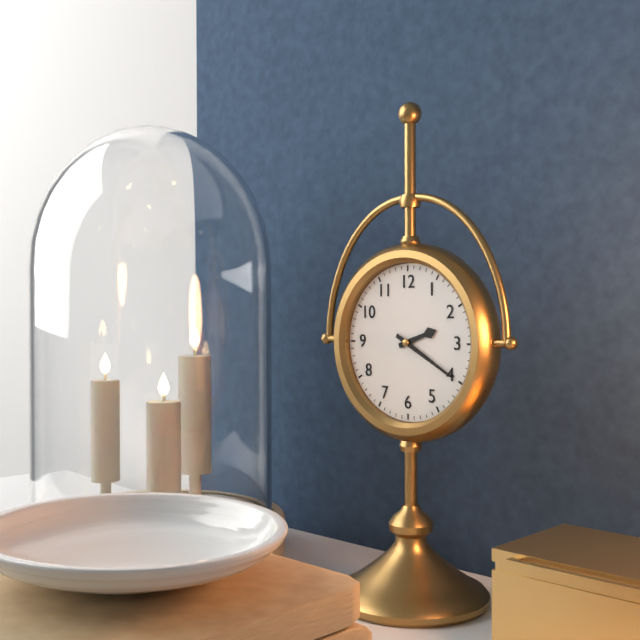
2.20
